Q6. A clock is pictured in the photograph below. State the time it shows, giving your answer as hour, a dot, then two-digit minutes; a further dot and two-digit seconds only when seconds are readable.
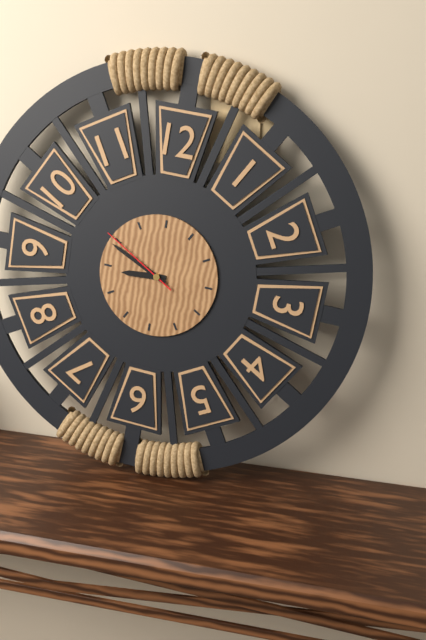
8.49.50
